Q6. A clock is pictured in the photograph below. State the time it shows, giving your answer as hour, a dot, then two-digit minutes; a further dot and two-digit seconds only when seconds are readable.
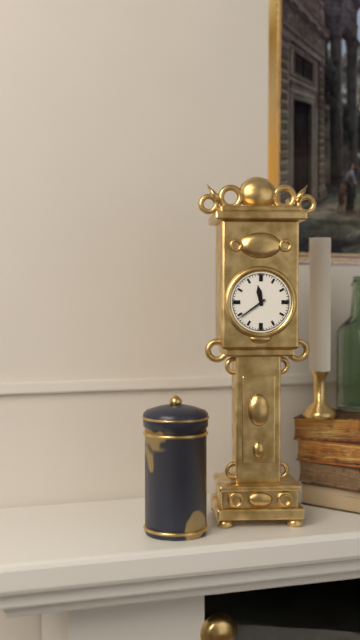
11.39
